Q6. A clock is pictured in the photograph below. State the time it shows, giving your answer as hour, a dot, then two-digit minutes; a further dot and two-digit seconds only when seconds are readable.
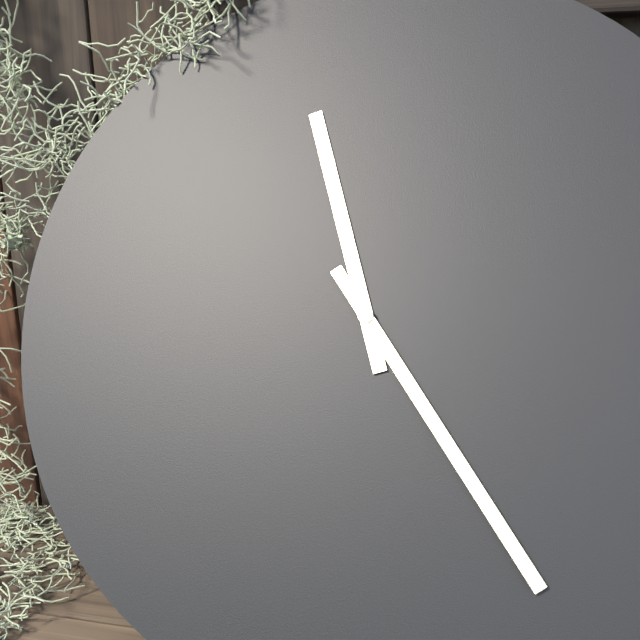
11.24
